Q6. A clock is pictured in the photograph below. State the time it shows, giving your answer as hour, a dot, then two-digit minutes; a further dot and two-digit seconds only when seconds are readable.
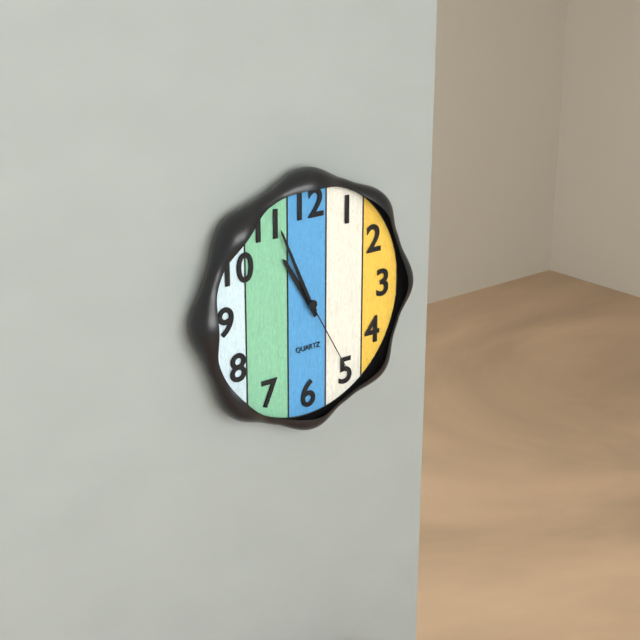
10.56.25
